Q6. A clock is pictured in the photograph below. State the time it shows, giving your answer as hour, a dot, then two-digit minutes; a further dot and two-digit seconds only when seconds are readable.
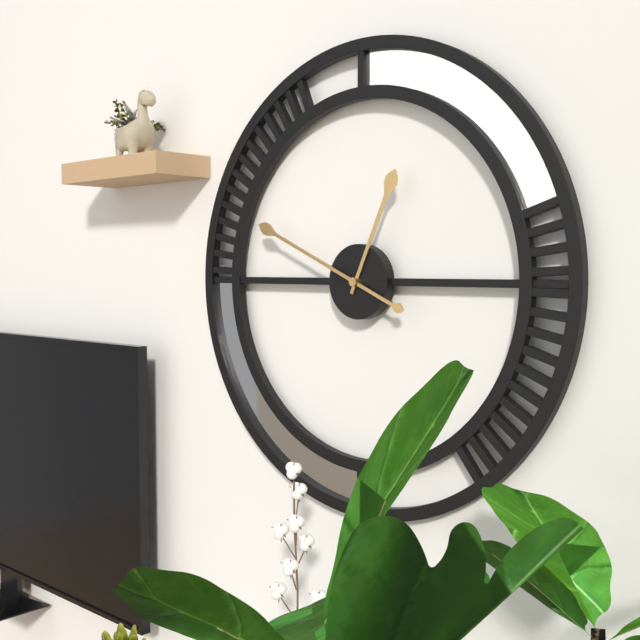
12.49
